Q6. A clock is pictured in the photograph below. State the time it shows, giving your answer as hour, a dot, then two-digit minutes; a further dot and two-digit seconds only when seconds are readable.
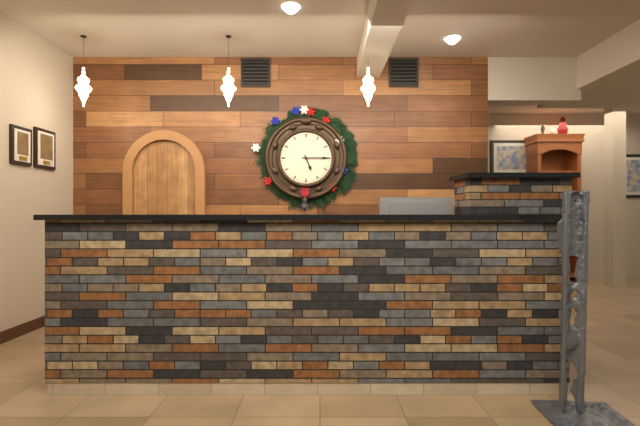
5.15
